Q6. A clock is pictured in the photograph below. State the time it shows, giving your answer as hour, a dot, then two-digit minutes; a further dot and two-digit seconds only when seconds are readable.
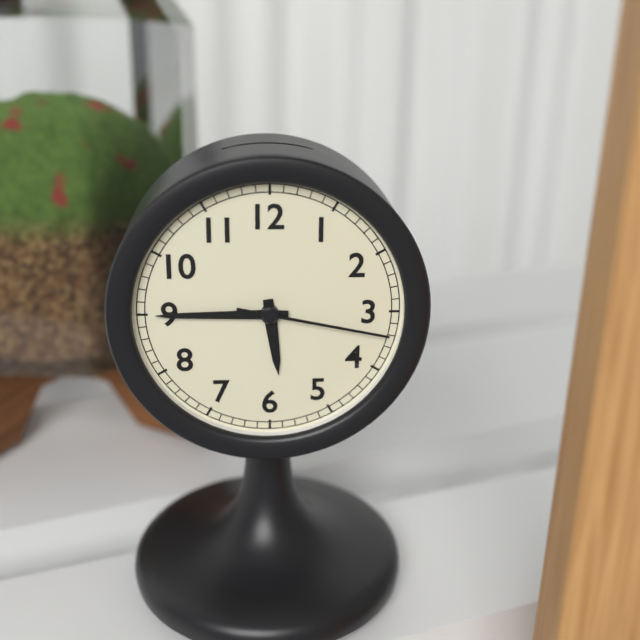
5.45.17
